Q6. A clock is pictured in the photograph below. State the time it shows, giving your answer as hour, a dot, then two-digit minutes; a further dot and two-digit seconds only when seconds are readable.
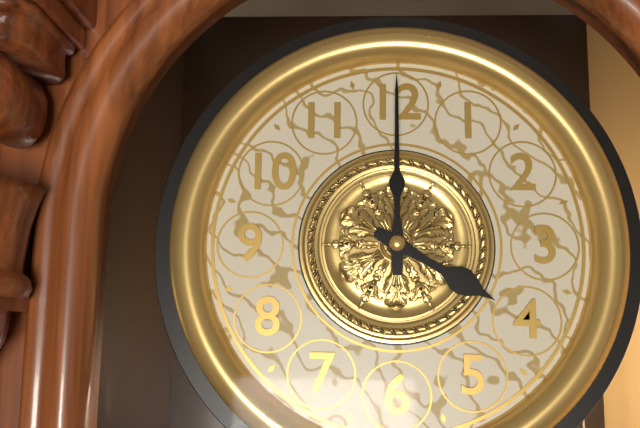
4.00
